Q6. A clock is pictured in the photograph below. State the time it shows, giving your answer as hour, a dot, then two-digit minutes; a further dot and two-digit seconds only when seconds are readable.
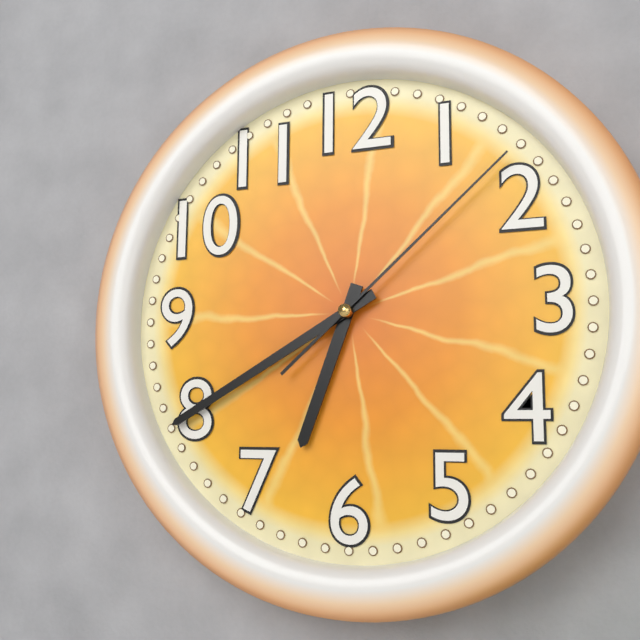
6.40.08
